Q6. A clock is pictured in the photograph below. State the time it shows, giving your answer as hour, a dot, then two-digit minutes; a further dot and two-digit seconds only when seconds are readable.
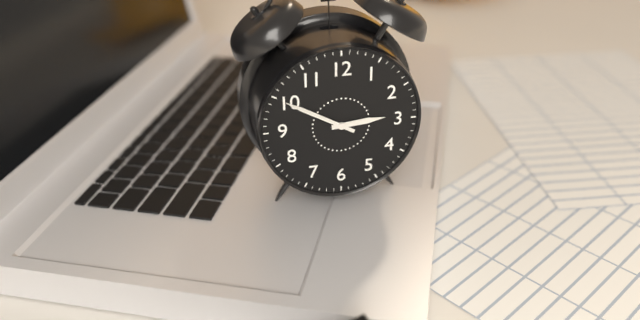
2.50
